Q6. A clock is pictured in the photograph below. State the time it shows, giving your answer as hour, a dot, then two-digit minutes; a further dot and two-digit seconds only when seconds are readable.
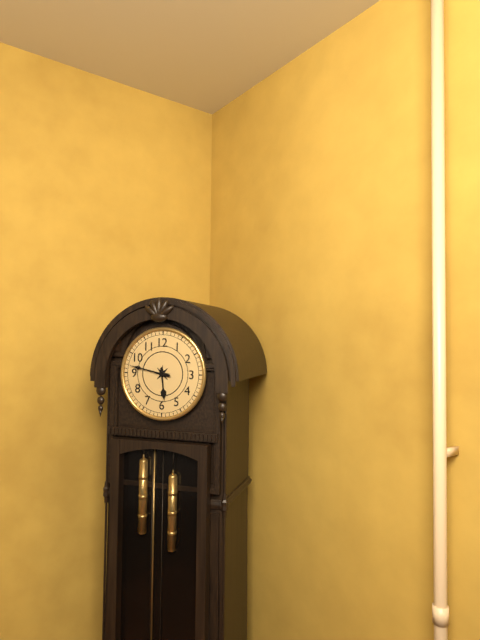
5.47
